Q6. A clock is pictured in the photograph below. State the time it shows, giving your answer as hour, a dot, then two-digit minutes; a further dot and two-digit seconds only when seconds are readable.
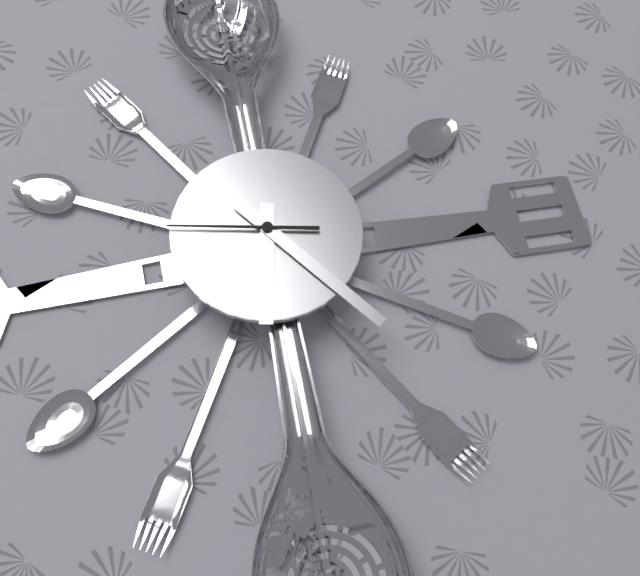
6.24.47
